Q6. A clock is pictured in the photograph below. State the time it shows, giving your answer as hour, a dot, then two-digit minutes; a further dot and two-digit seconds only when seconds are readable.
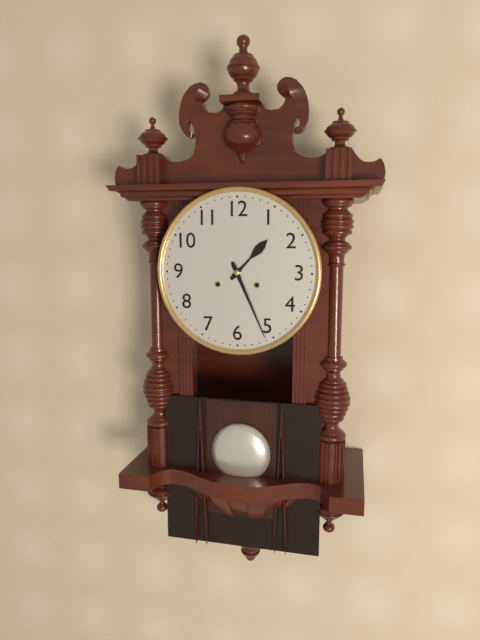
1.26
